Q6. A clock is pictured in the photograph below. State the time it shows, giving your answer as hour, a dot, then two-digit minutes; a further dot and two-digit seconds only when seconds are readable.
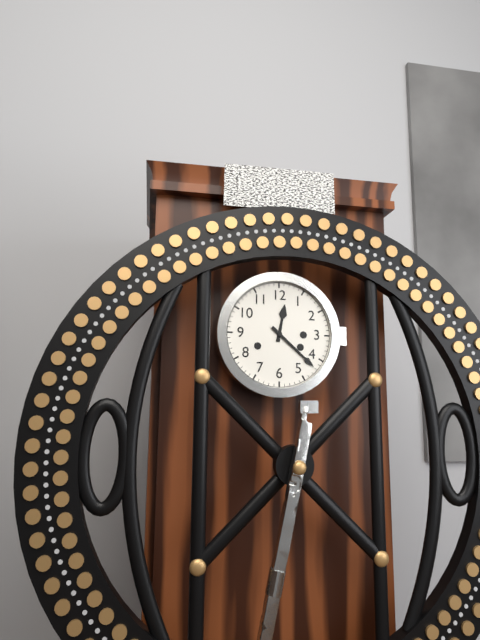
12.22
